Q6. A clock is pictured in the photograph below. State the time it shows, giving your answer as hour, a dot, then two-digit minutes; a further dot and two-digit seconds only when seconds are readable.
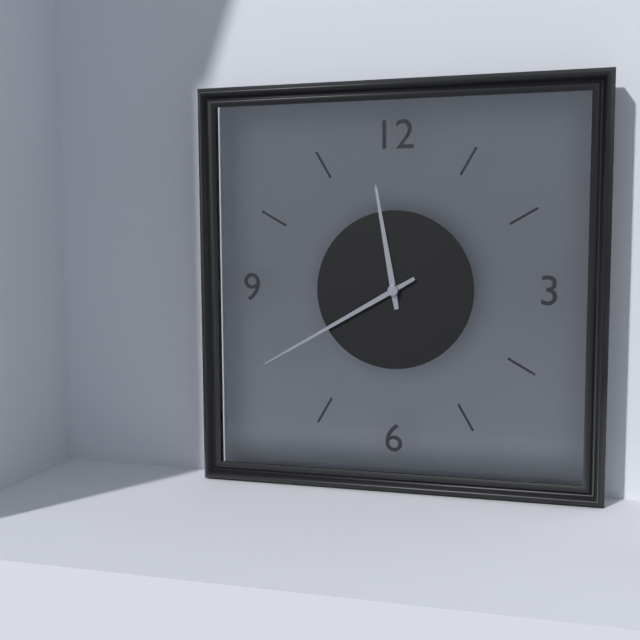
11.40
